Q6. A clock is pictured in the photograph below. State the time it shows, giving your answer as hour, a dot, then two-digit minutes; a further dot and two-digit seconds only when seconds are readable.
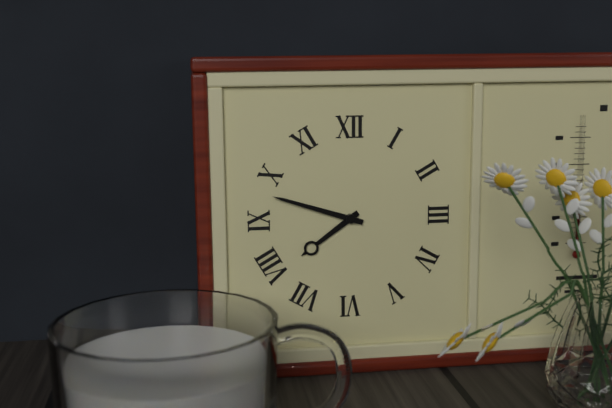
7.48
